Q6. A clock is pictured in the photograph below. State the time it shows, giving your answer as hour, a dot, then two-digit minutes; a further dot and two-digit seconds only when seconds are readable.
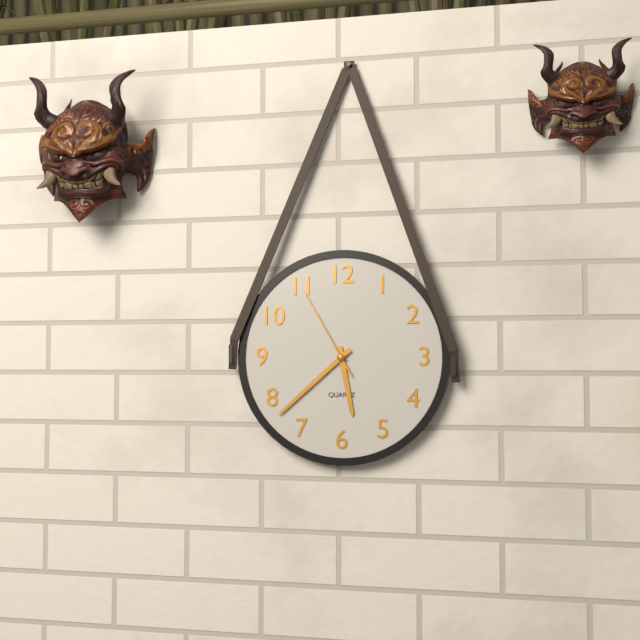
5.38.55
